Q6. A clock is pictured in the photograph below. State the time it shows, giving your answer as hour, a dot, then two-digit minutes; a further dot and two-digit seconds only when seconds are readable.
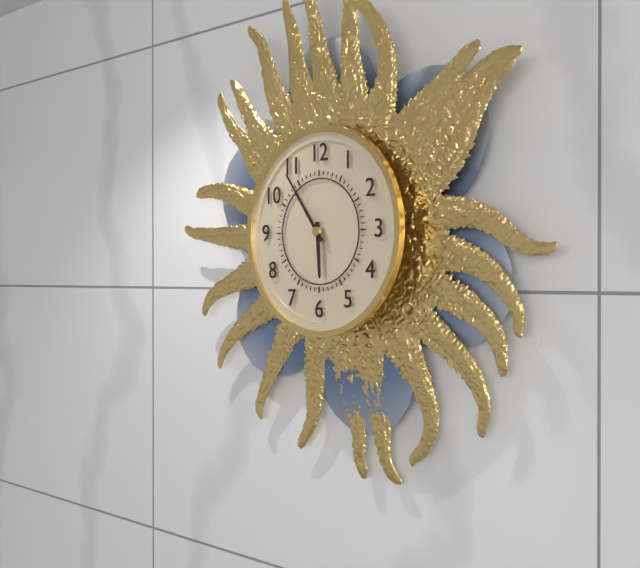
5.54
